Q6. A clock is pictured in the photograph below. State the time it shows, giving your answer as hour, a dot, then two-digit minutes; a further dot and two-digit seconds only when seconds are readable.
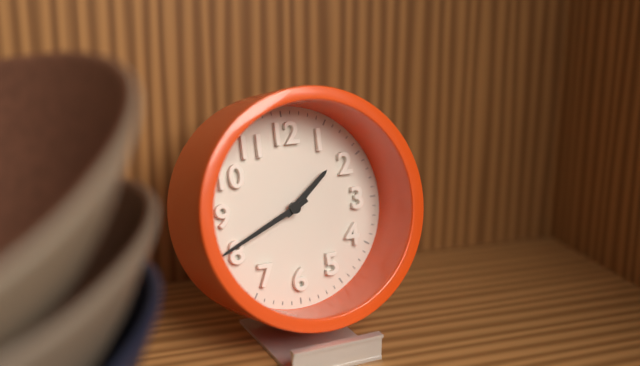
1.41
